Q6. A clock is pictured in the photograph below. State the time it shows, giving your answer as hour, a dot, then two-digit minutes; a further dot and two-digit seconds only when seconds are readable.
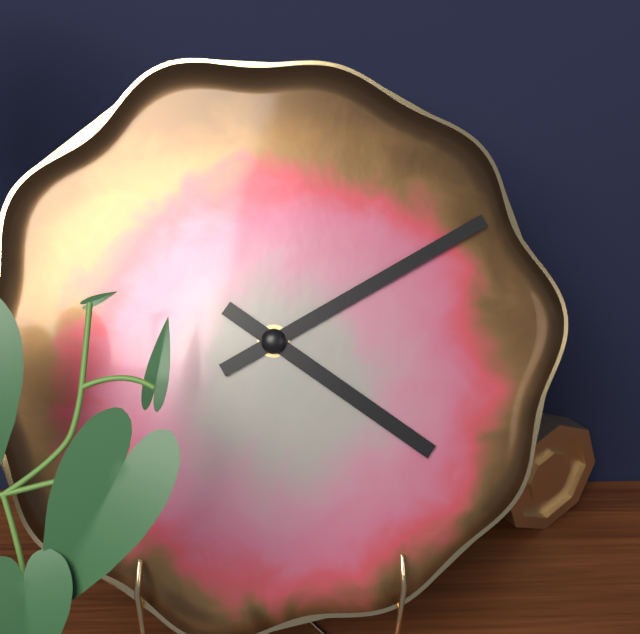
4.10
